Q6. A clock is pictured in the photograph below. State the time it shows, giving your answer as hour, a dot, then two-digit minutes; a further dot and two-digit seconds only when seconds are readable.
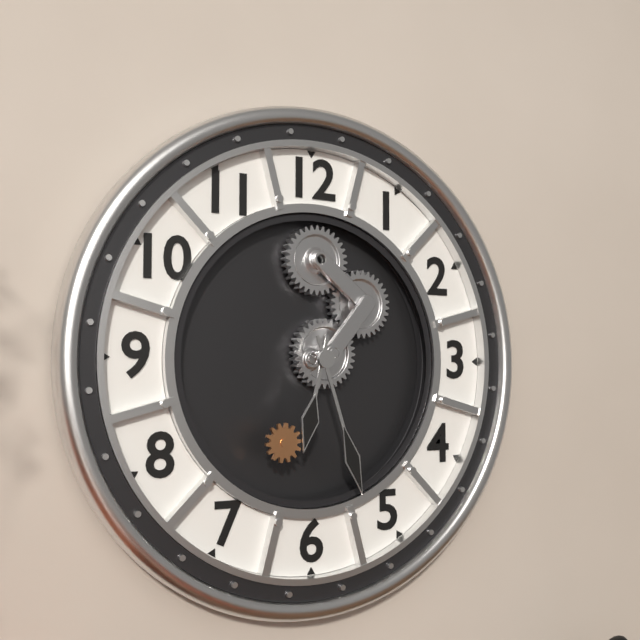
6.27
